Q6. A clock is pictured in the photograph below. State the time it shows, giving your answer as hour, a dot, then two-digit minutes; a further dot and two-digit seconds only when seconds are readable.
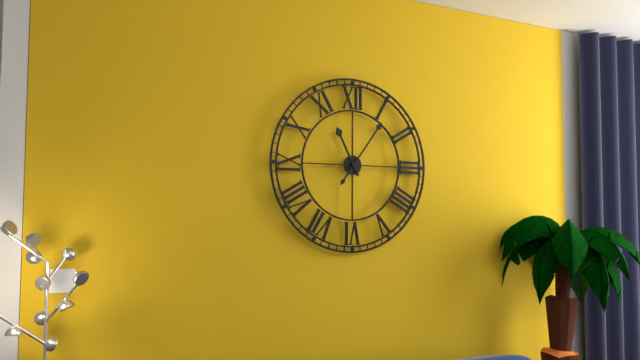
11.06
